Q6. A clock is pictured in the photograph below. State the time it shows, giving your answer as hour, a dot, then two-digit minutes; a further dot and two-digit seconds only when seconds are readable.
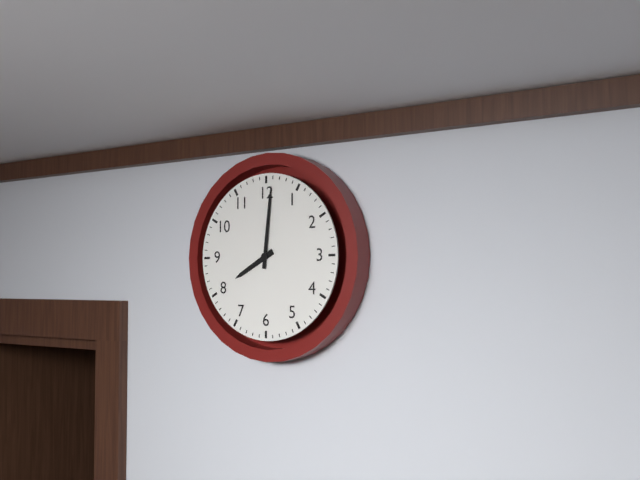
8.01
